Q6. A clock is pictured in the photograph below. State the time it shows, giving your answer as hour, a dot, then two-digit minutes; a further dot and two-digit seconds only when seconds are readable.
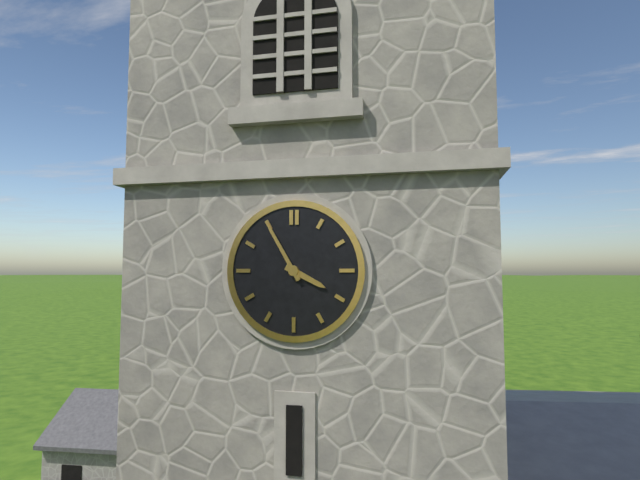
3.55
